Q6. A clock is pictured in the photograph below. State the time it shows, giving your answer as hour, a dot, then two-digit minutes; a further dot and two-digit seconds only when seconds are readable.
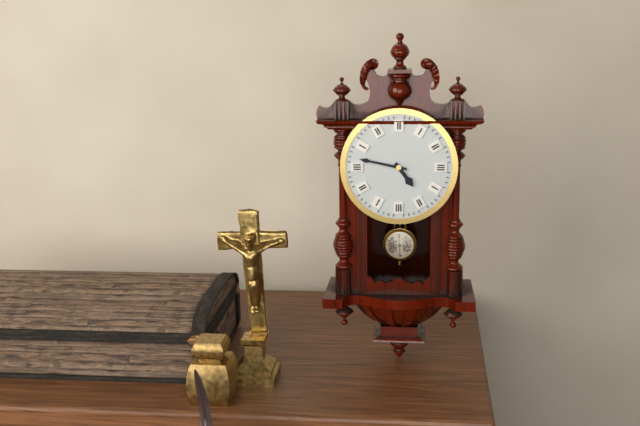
4.47
